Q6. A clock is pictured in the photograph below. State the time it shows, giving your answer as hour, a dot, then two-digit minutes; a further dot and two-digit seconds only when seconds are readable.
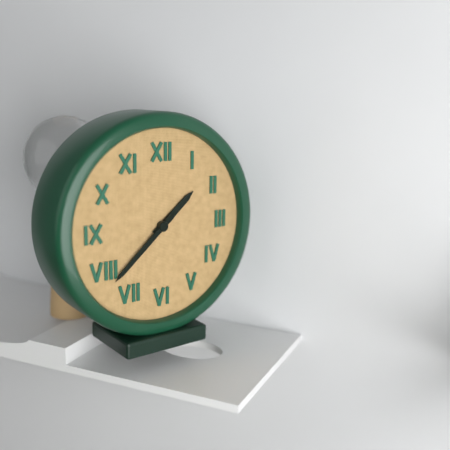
1.38
